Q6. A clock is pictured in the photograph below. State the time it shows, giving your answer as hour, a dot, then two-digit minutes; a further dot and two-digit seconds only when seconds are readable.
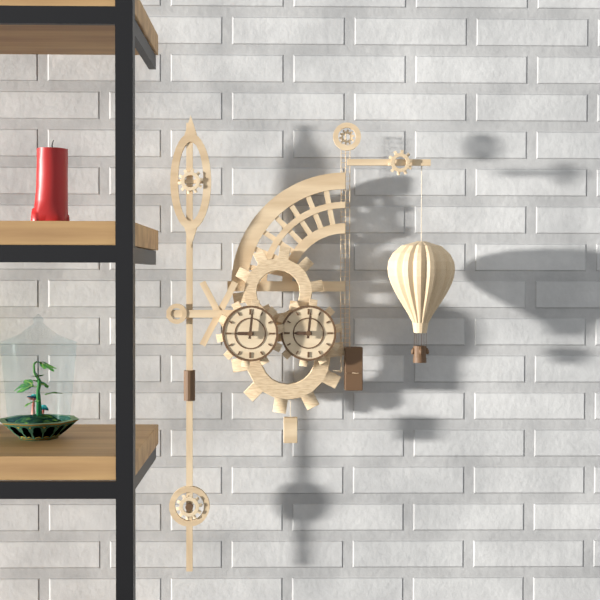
9.01
